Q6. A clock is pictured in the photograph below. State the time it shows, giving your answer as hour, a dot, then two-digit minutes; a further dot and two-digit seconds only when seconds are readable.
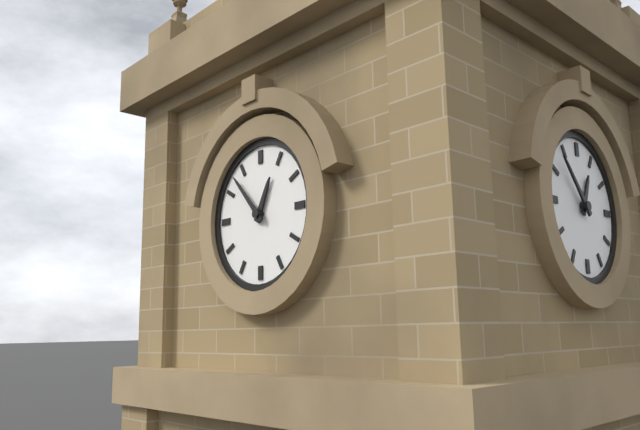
12.53
